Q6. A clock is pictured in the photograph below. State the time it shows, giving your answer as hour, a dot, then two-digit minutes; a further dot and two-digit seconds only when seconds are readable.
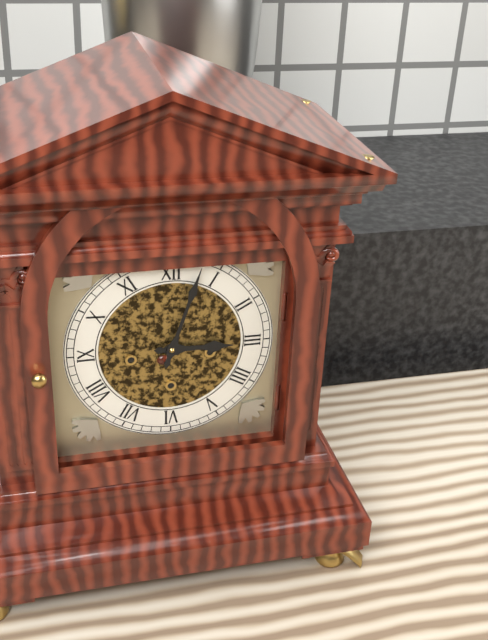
3.03
